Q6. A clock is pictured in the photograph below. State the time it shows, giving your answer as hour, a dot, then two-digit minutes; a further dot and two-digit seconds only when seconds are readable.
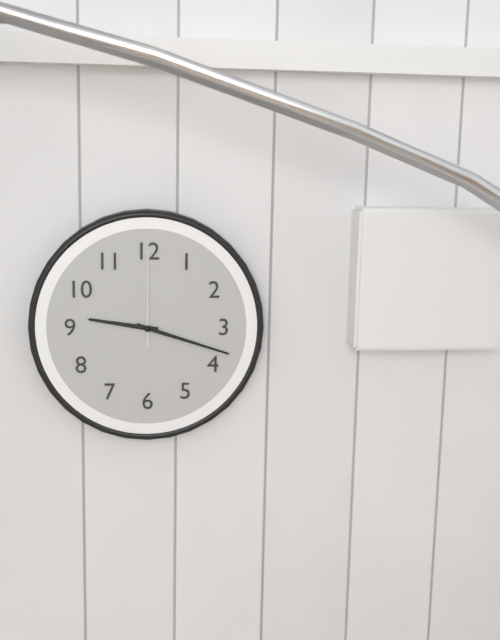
9.18.00
